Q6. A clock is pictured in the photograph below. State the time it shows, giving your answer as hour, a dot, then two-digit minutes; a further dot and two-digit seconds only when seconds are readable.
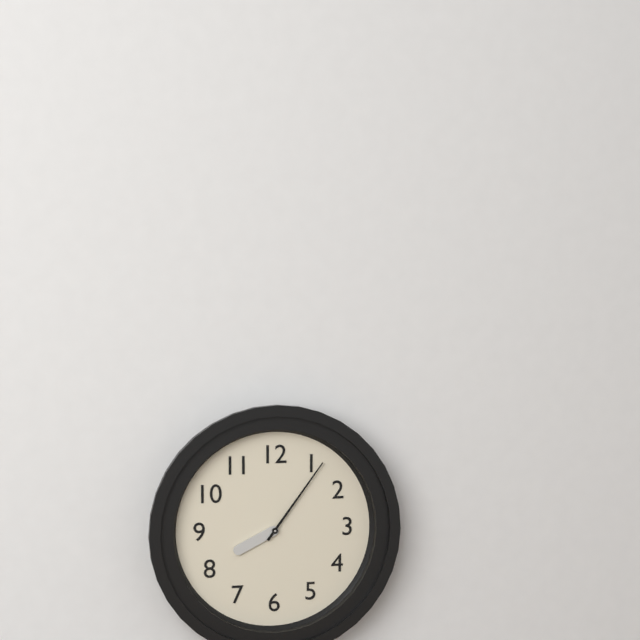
8.06
